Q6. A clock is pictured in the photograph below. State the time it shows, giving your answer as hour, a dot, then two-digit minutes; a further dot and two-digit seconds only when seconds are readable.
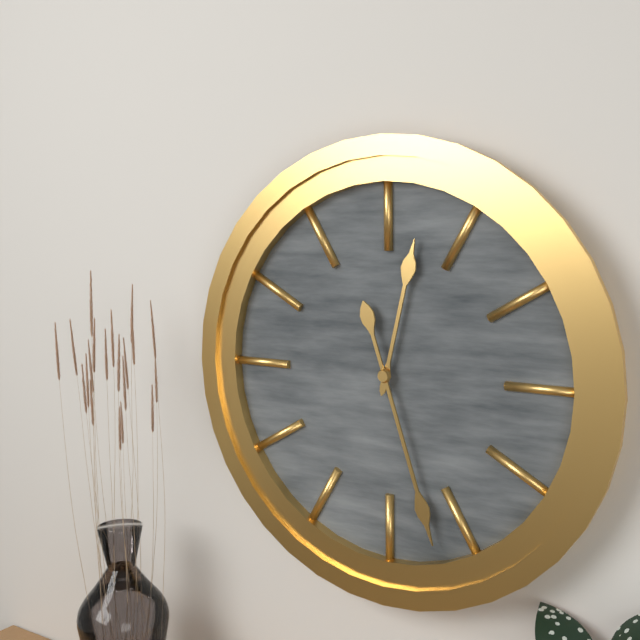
12.27
